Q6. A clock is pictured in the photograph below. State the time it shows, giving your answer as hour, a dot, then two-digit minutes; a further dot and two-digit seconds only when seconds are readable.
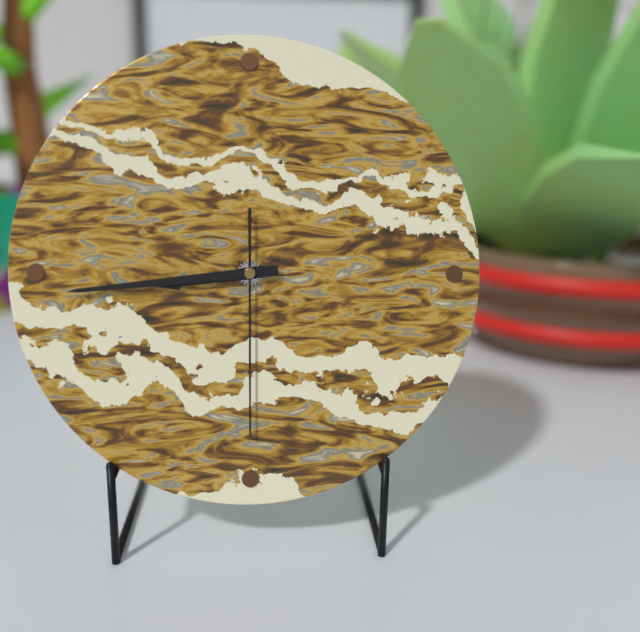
8.44.30
